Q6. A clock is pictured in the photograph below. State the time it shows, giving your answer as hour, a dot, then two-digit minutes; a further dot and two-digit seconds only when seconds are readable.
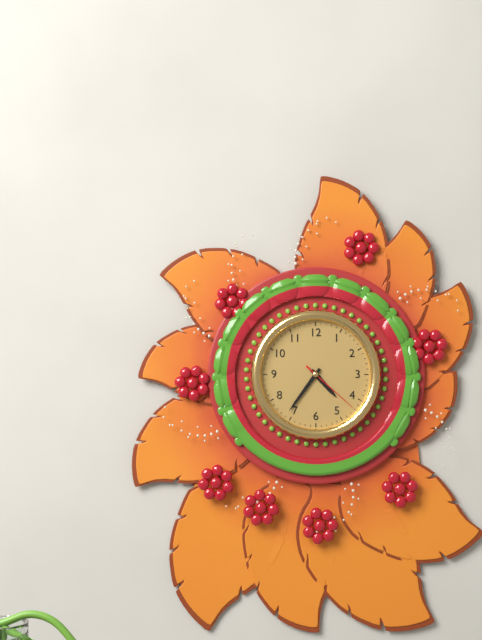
4.36.22
